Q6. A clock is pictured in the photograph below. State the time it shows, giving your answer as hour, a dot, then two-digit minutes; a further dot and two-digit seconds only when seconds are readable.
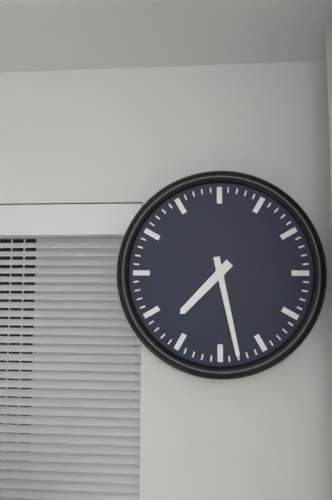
7.28
